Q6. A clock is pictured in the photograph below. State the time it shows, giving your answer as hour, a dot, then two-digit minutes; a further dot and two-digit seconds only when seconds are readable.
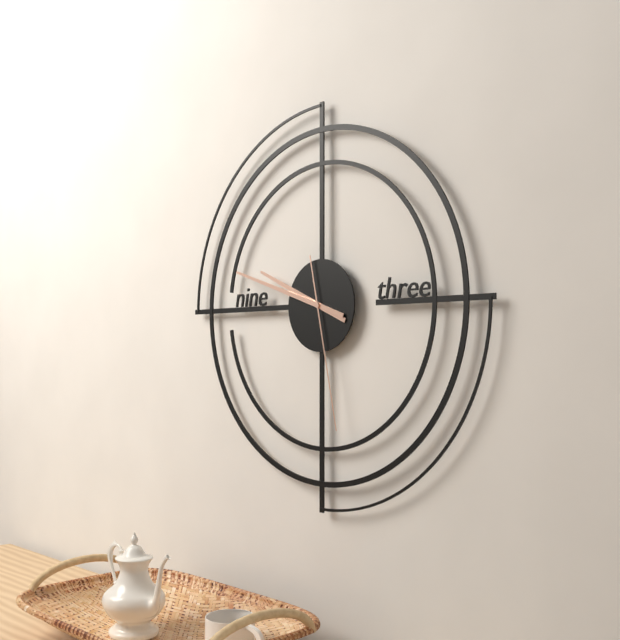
9.48.28
